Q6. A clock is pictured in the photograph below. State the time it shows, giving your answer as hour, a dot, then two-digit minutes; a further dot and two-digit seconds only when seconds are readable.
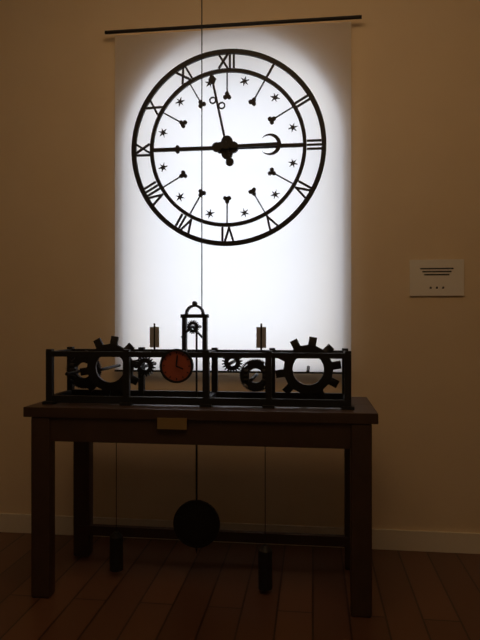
2.58
